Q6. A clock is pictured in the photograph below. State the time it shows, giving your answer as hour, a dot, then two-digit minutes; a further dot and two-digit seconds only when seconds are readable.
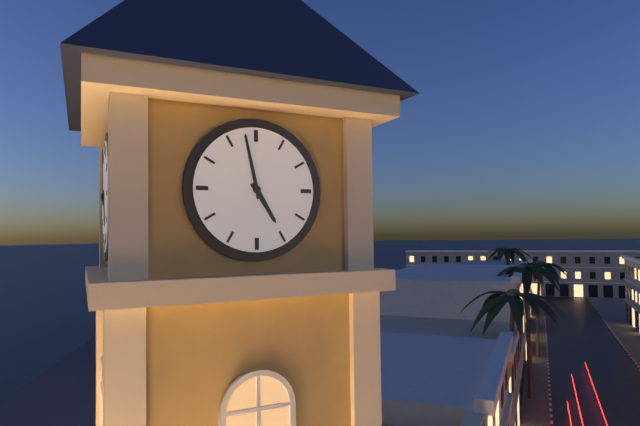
4.58
